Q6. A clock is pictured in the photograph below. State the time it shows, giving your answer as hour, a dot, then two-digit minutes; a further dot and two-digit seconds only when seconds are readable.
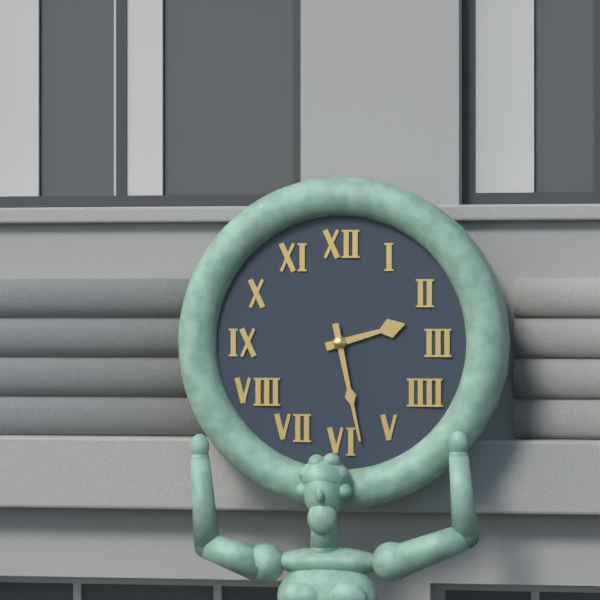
2.28
